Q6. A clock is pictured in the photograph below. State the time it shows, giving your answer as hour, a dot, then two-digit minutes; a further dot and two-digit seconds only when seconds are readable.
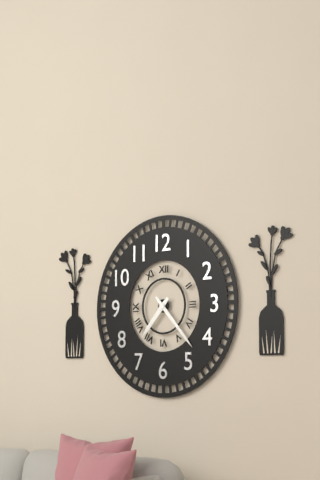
7.23
